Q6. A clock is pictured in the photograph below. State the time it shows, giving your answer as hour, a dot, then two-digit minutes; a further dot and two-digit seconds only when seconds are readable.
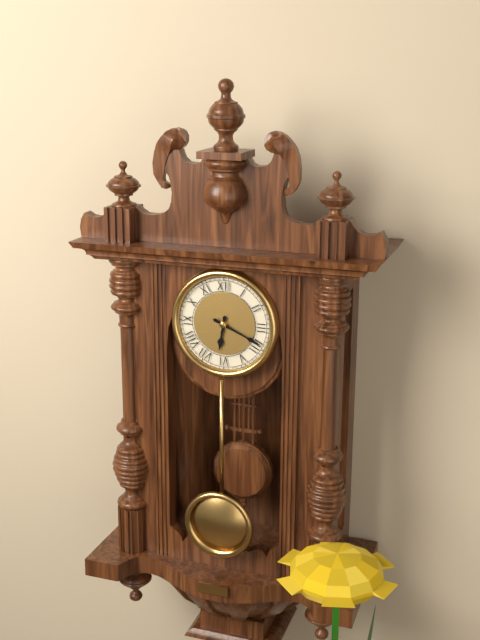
6.19
